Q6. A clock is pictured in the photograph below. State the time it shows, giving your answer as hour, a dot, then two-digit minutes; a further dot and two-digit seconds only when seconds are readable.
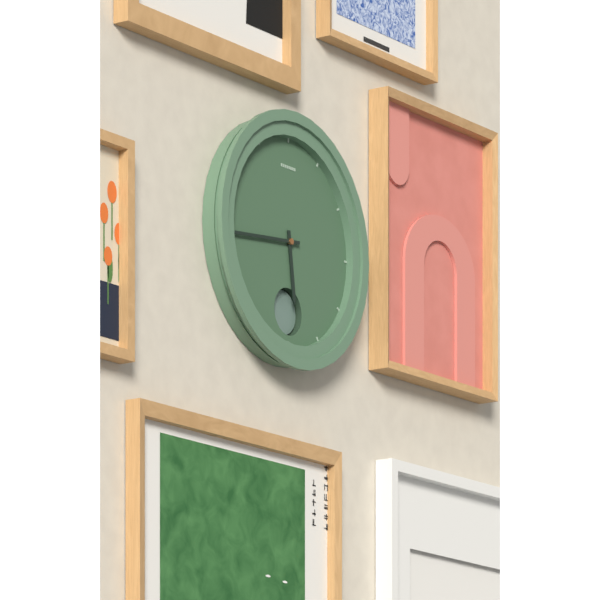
5.44
